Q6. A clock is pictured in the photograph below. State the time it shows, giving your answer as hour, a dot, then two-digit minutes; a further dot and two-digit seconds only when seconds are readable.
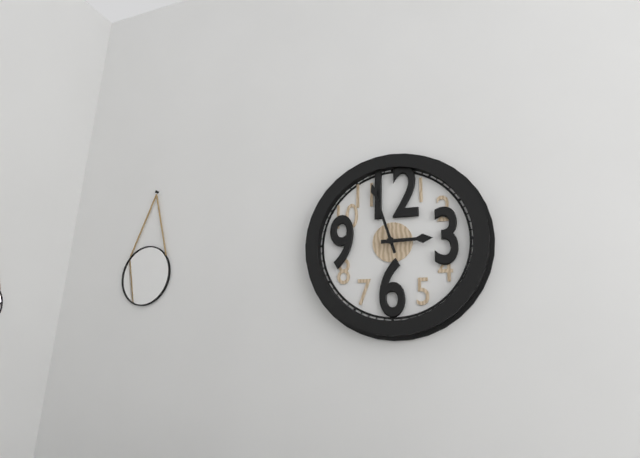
2.57
